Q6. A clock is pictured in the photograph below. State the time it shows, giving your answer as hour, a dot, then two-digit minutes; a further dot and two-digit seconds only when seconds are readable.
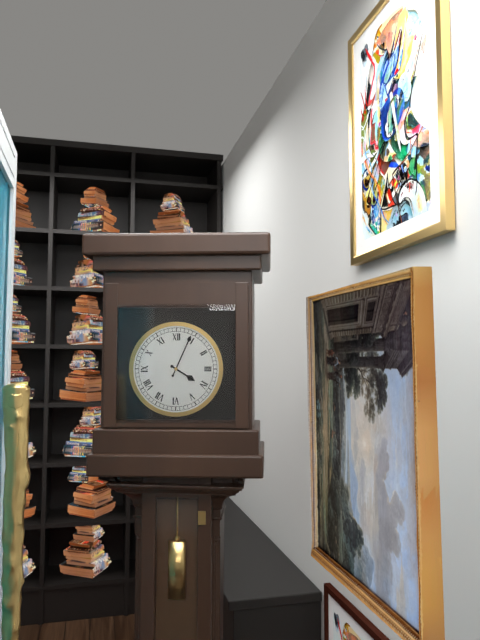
4.04
